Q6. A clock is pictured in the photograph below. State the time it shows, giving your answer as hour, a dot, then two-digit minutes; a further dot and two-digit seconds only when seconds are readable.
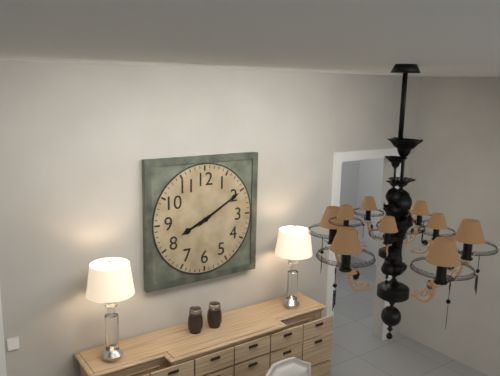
8.10
